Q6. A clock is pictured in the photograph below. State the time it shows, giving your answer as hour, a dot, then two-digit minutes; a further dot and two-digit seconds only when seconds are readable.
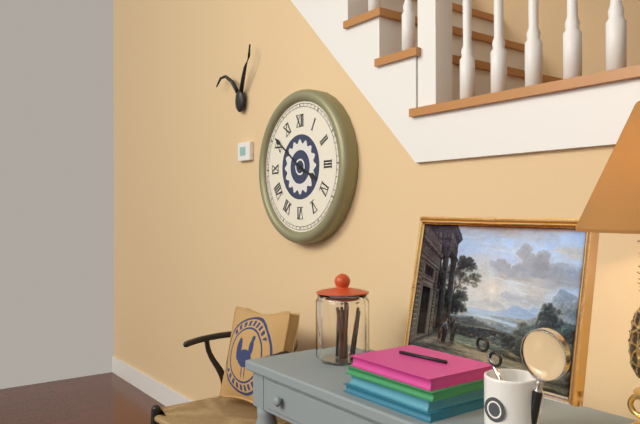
3.51
